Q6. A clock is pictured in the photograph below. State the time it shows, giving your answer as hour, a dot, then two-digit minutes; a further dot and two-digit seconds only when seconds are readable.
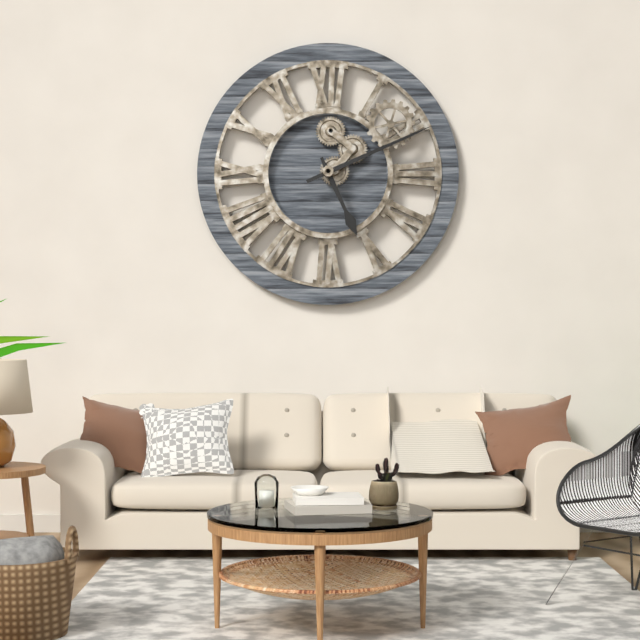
5.11
